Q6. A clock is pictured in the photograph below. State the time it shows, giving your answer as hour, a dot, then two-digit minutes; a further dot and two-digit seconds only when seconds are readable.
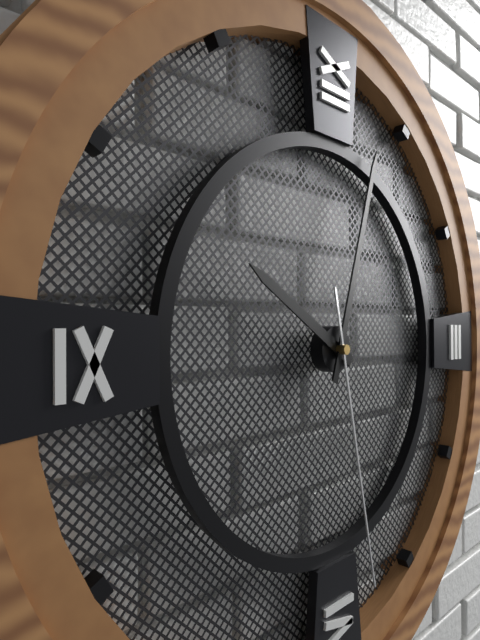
10.03.28
